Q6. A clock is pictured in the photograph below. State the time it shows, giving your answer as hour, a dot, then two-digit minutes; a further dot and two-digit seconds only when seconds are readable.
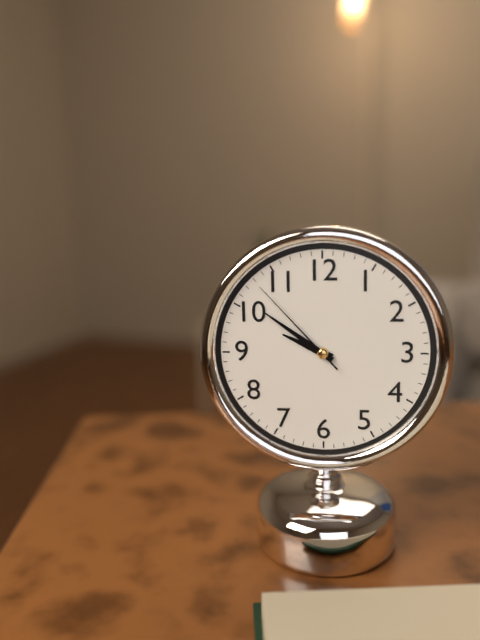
9.51.53
